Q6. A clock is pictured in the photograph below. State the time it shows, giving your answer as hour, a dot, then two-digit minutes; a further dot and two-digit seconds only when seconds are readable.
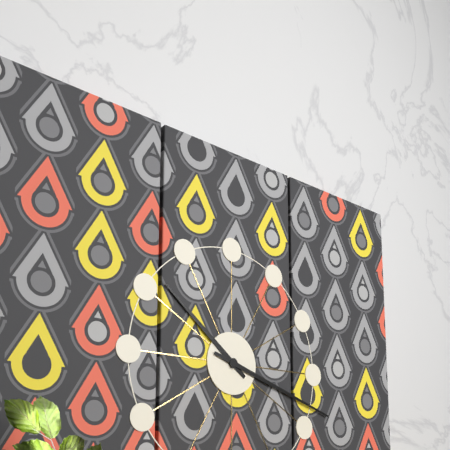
10.18
